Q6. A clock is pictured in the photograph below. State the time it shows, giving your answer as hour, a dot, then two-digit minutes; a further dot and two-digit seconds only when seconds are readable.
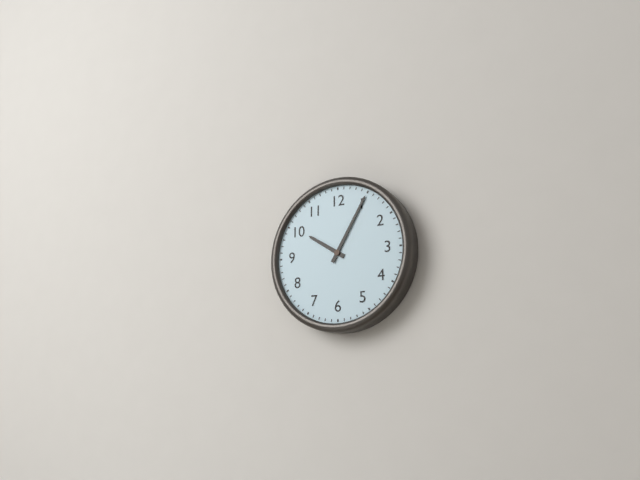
10.05
